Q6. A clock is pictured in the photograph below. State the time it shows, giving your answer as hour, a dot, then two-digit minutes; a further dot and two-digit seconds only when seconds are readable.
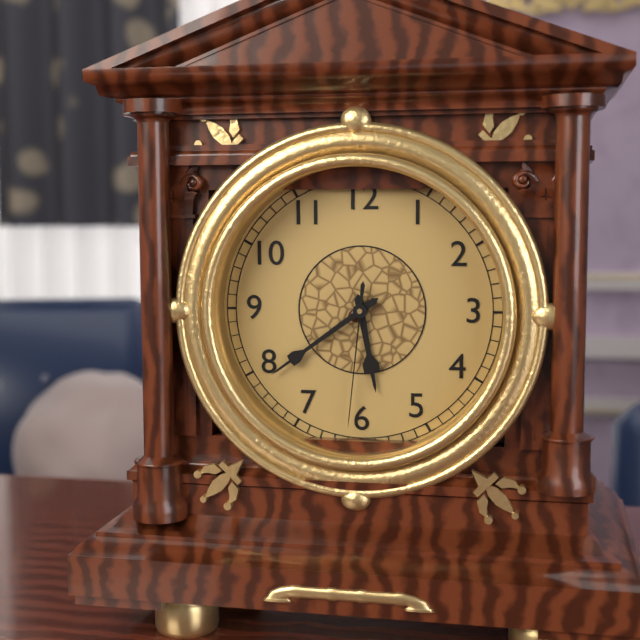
5.39.31
